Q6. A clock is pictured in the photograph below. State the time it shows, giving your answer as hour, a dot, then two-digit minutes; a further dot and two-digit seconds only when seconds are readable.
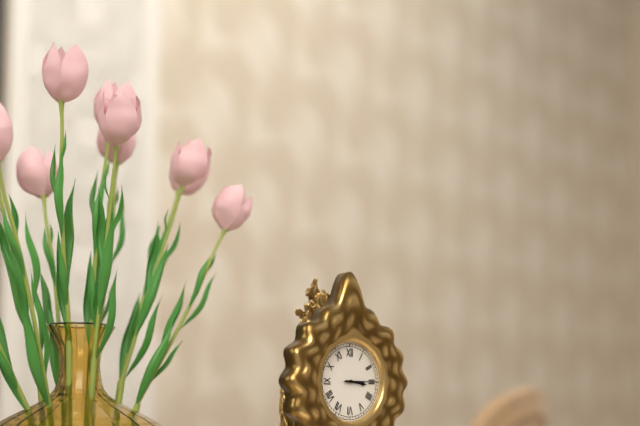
3.15
